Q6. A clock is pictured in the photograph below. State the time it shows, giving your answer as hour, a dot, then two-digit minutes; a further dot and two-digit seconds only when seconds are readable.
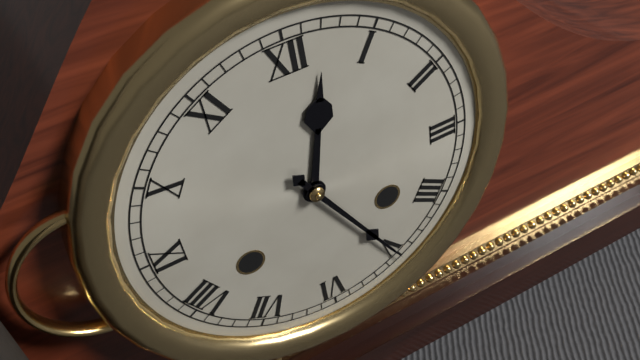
12.25
